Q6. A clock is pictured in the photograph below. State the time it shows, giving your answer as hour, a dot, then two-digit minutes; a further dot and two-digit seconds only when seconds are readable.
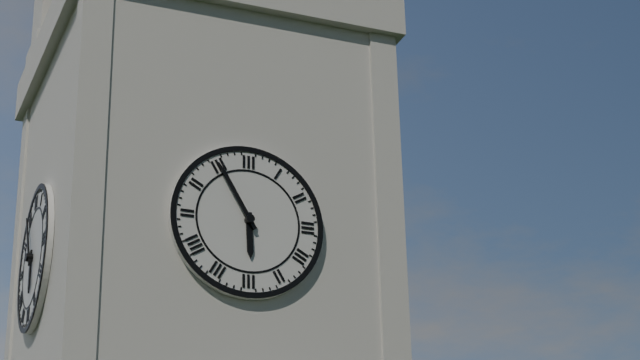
5.55
